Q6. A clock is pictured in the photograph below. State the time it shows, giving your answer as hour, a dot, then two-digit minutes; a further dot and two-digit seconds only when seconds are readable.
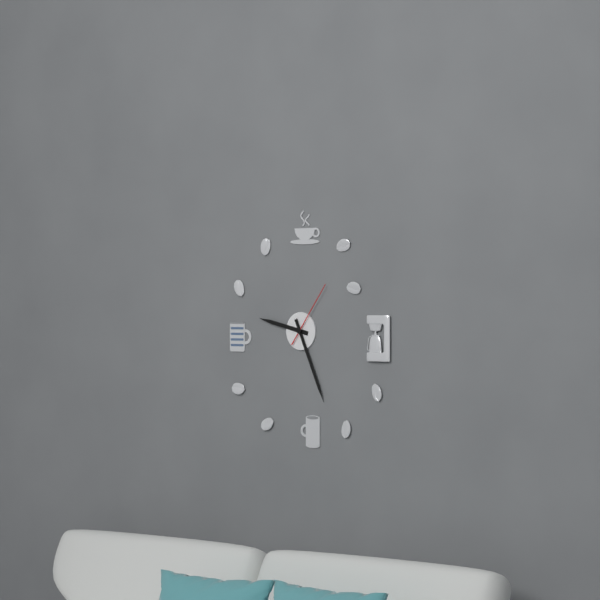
9.26.06
